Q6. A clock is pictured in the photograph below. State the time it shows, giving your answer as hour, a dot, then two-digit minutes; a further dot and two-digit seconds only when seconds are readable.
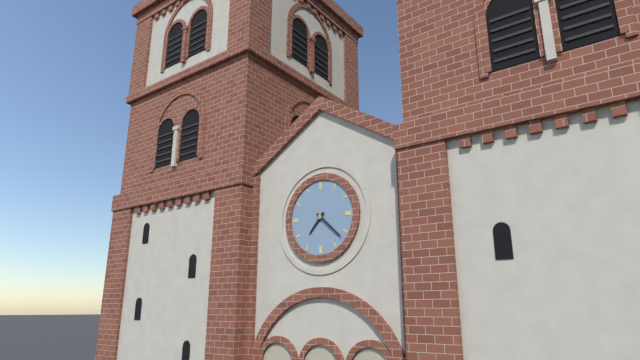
7.22
